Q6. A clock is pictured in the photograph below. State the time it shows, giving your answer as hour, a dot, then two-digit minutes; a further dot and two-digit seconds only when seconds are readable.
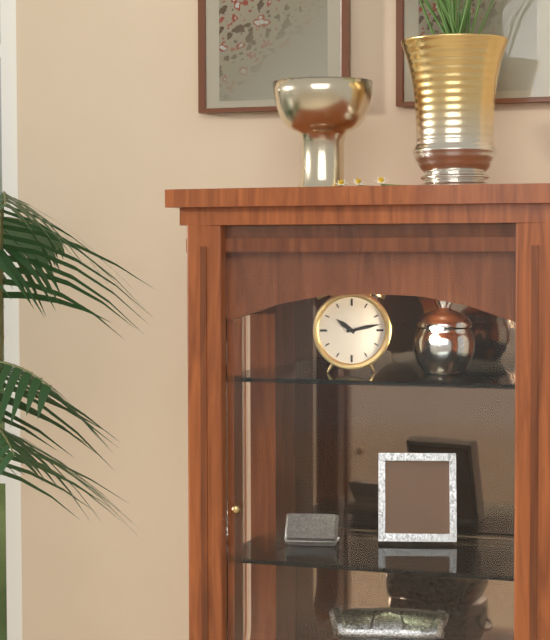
10.13
